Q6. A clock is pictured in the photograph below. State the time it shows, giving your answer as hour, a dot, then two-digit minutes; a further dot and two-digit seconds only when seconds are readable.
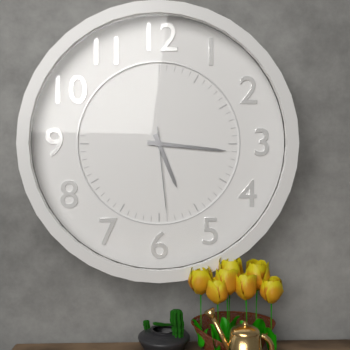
5.16.29
